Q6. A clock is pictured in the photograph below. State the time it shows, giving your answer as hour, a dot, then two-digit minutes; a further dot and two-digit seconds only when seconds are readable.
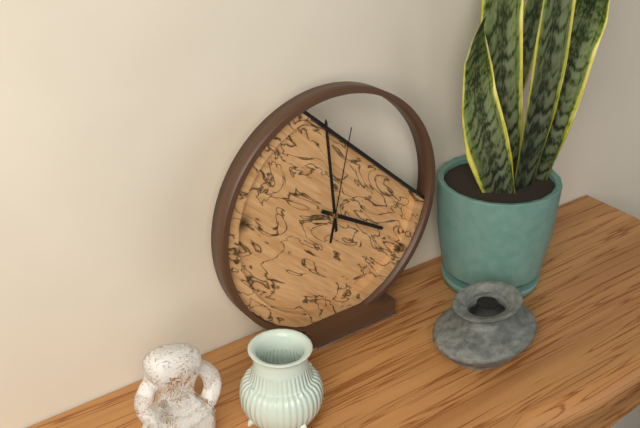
3.59.02
